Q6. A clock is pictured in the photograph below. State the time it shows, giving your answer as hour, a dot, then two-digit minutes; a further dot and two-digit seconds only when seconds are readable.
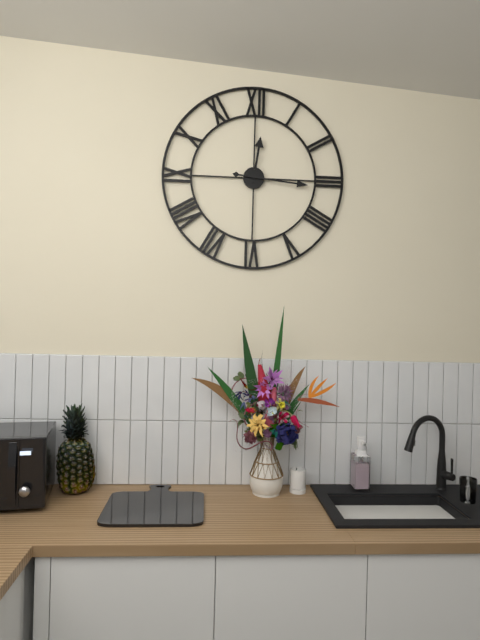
12.16
